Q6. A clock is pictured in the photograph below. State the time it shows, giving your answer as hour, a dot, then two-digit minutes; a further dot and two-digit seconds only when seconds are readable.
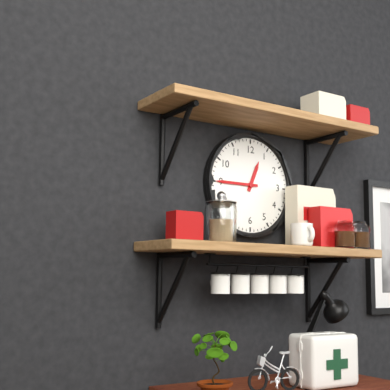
12.45
